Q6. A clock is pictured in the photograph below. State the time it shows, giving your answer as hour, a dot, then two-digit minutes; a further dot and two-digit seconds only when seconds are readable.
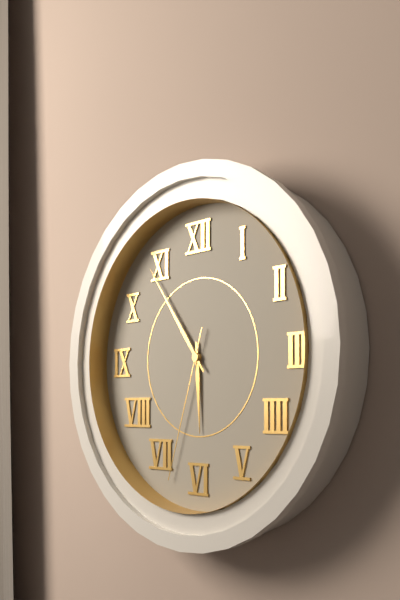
5.54.33
